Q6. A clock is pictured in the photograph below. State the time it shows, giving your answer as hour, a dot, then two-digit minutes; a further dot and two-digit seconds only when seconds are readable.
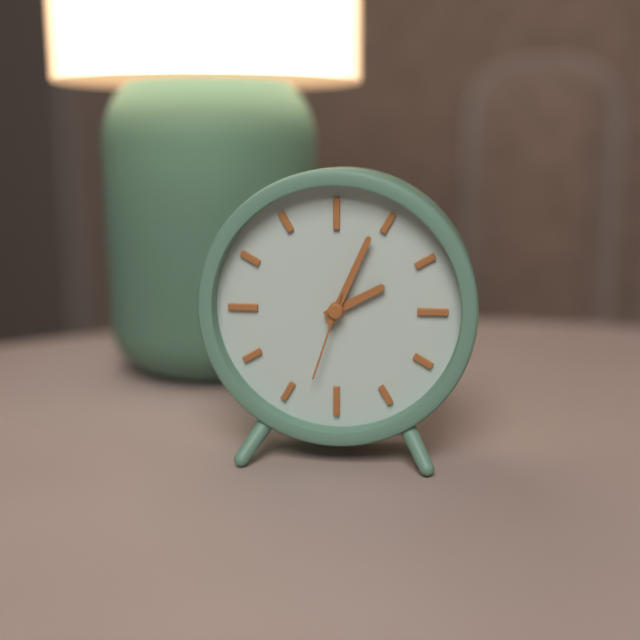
2.04.33
